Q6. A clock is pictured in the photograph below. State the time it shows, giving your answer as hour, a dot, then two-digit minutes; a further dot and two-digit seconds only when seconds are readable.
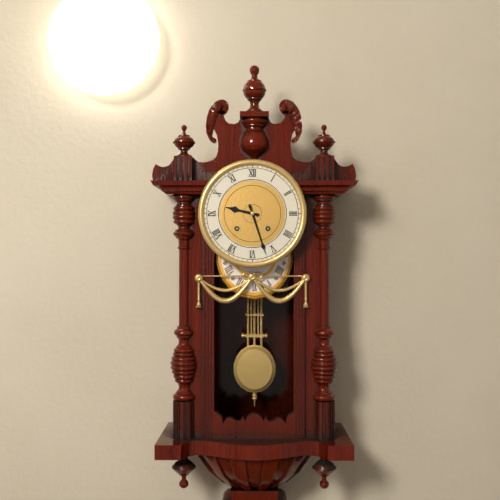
9.27
